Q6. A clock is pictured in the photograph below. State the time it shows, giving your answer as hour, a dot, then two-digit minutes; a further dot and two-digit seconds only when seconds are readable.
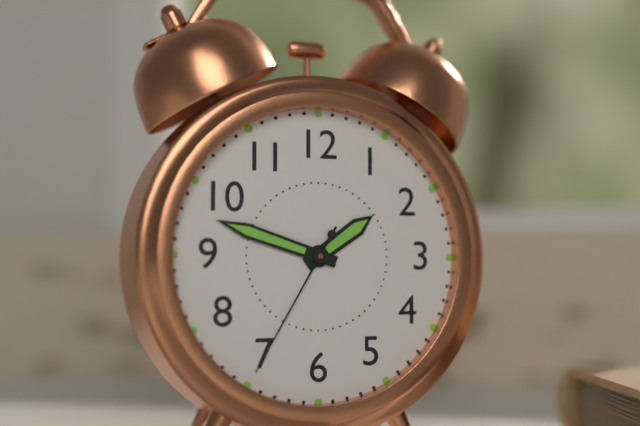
1.48.35
